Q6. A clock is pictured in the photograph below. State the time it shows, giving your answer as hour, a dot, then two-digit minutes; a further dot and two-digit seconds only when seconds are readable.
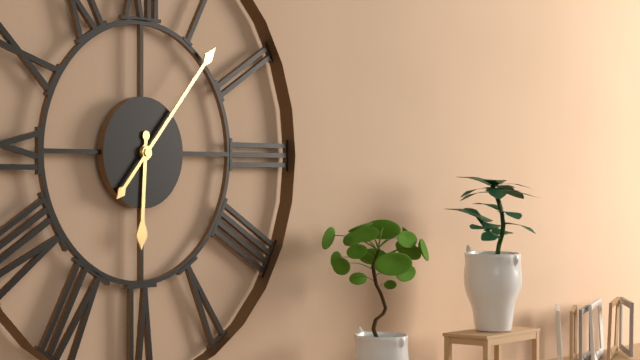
6.07
